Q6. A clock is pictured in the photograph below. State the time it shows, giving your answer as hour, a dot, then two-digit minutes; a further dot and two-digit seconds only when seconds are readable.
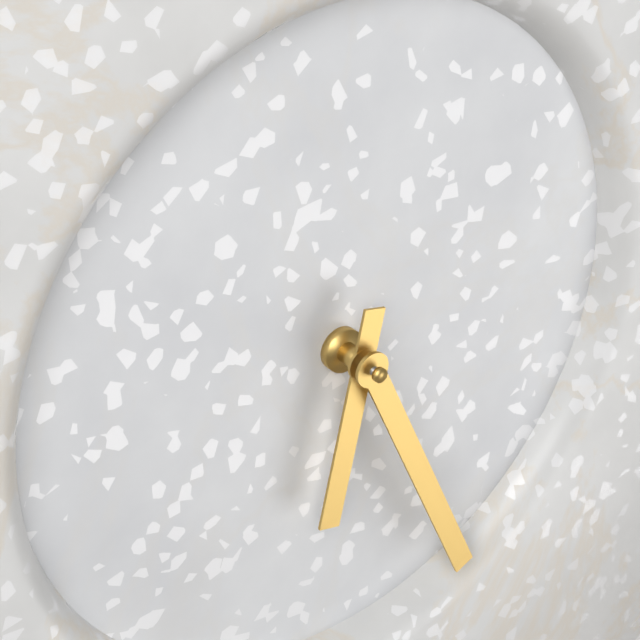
6.26
